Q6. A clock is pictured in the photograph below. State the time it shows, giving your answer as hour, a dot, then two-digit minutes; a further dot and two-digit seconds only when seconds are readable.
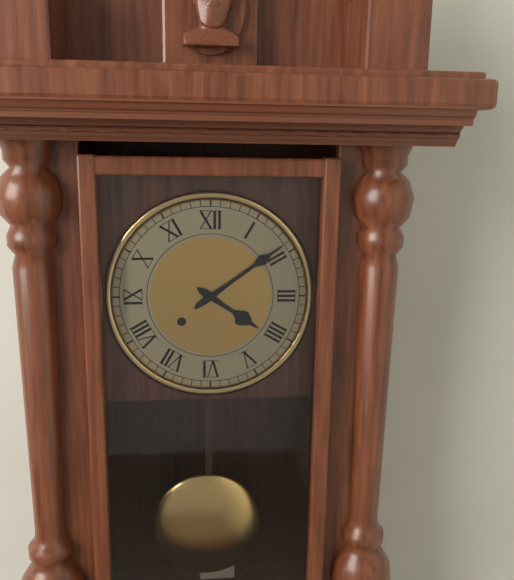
4.09
